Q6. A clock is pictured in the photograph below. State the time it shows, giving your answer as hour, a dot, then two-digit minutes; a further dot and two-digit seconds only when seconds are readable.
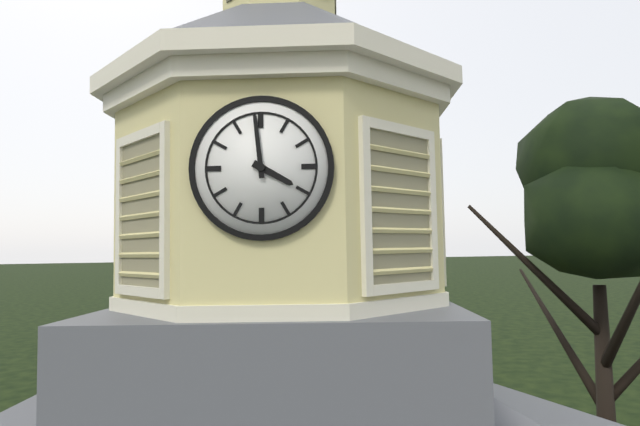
3.59
